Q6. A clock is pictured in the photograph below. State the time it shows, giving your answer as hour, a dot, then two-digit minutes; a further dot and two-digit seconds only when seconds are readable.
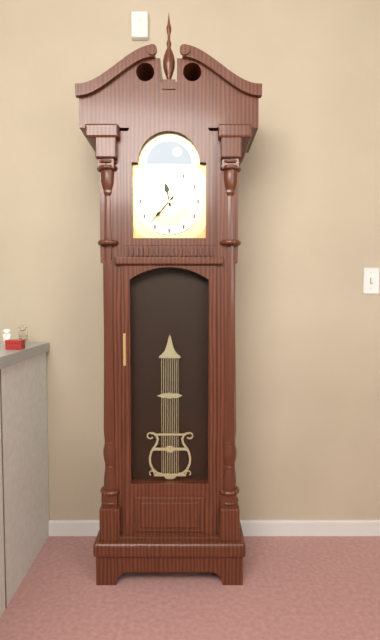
11.37
